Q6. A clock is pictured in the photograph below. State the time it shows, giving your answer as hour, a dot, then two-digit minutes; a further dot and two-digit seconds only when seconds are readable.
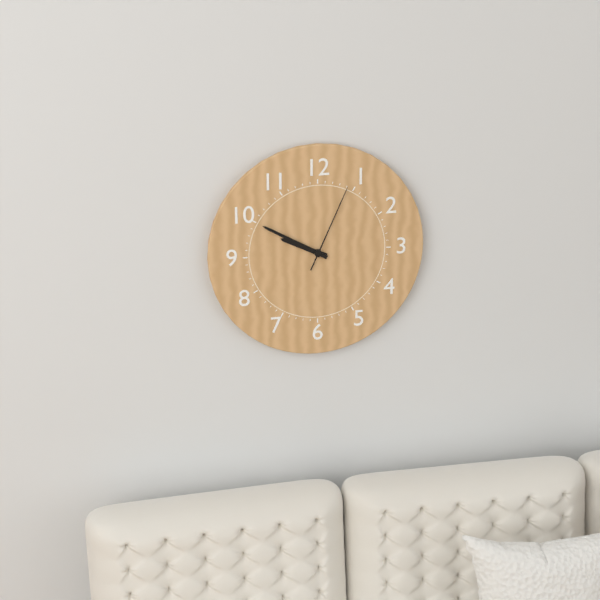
9.50.04
